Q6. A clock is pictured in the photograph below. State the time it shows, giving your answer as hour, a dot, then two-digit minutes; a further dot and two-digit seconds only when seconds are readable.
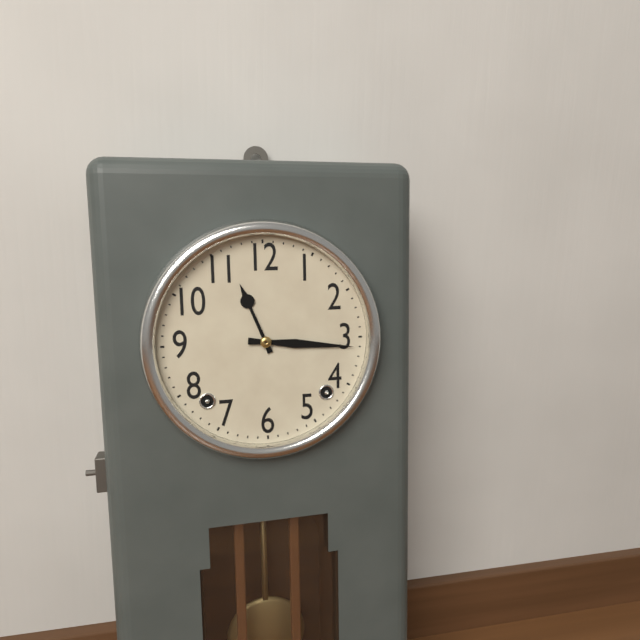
11.16
